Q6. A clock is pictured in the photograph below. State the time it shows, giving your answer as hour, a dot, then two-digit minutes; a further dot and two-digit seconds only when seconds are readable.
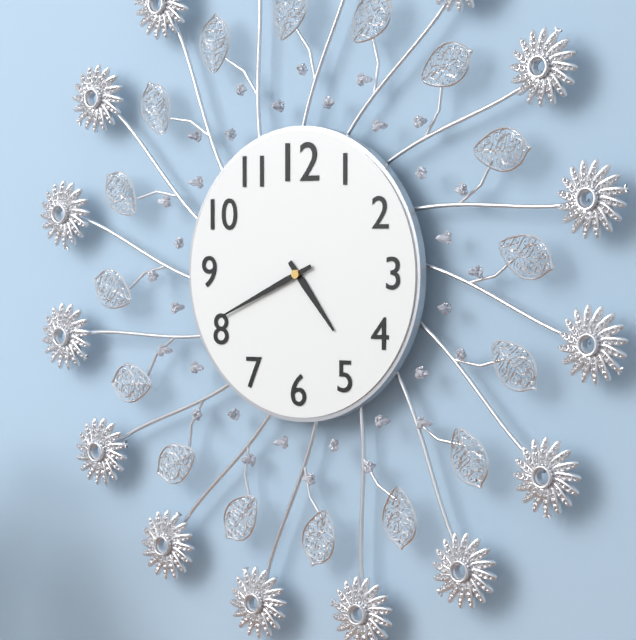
4.41
